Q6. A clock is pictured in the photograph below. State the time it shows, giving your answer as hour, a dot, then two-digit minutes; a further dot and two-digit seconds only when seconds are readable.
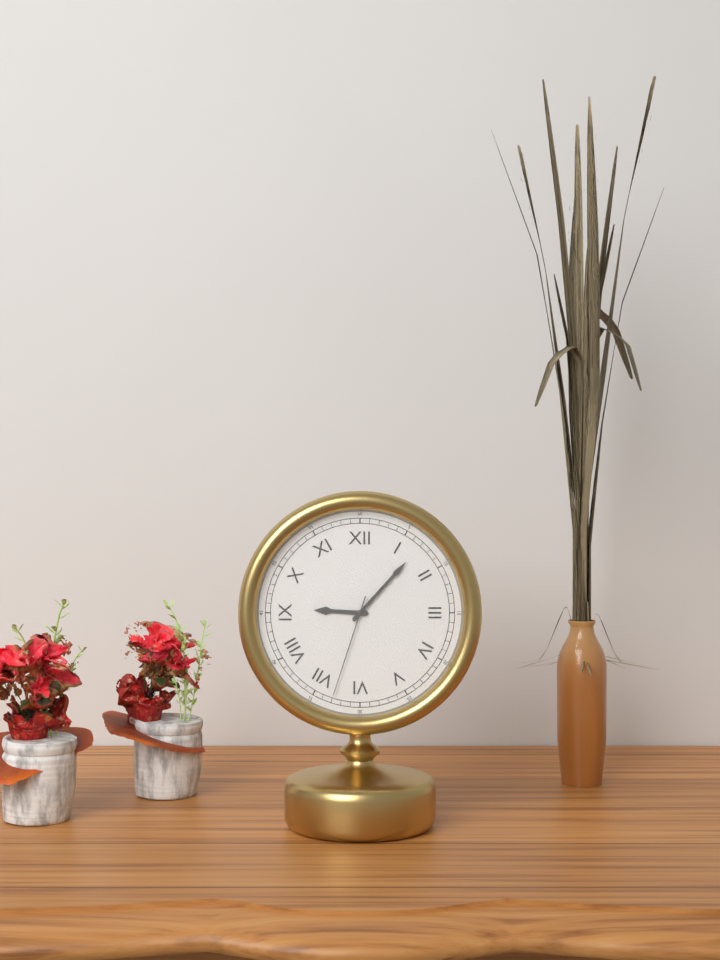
9.07.33
